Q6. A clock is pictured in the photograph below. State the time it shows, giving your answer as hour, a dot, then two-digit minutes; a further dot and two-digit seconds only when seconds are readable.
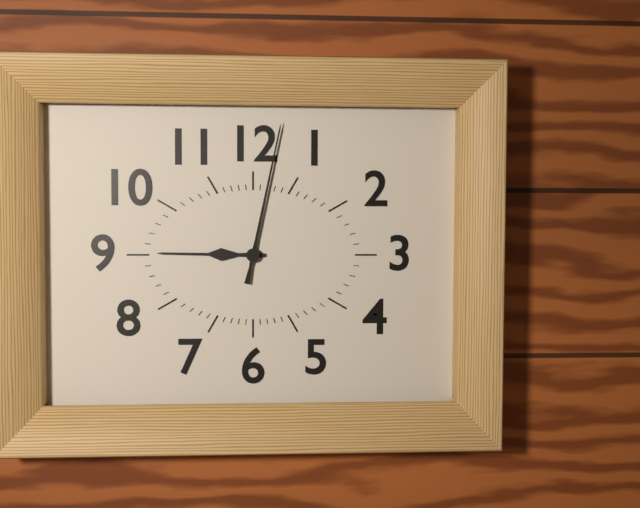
9.02
